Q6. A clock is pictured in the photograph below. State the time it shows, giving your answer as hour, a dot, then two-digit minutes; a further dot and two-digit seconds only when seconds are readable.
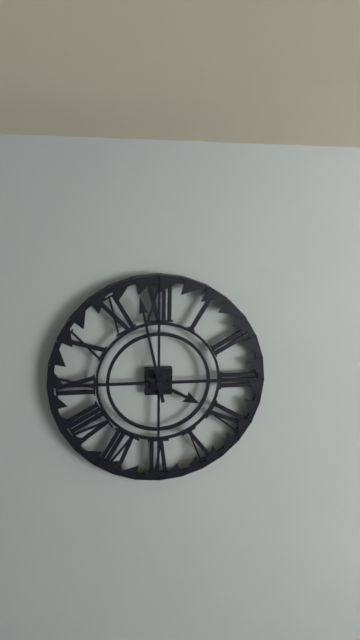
3.58
